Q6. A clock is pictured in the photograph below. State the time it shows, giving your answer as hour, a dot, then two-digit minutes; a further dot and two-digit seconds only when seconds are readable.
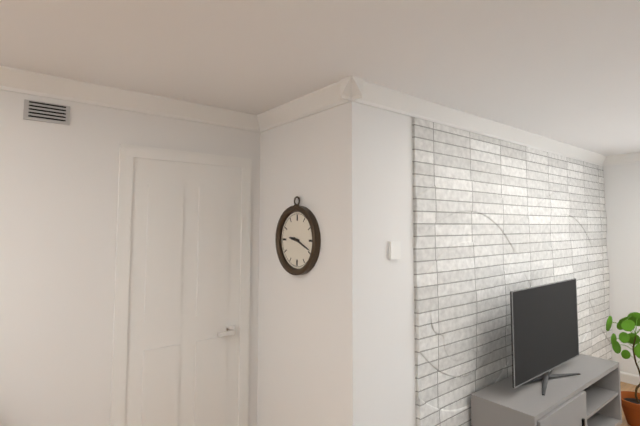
9.19
